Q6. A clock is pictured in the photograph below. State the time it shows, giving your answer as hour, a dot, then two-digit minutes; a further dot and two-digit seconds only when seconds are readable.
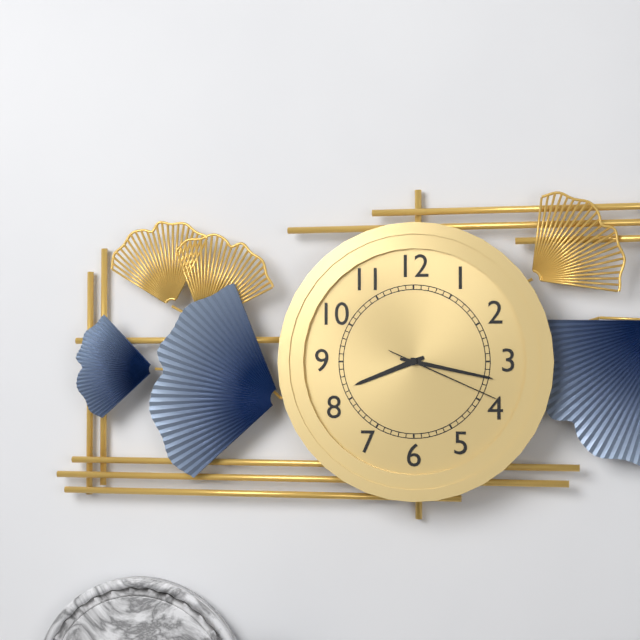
8.17.19
